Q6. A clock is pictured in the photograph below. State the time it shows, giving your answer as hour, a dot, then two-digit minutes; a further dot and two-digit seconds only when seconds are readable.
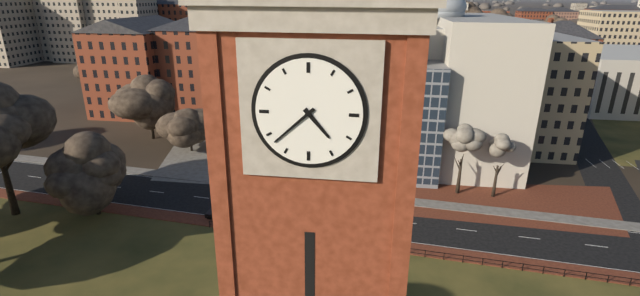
4.38
